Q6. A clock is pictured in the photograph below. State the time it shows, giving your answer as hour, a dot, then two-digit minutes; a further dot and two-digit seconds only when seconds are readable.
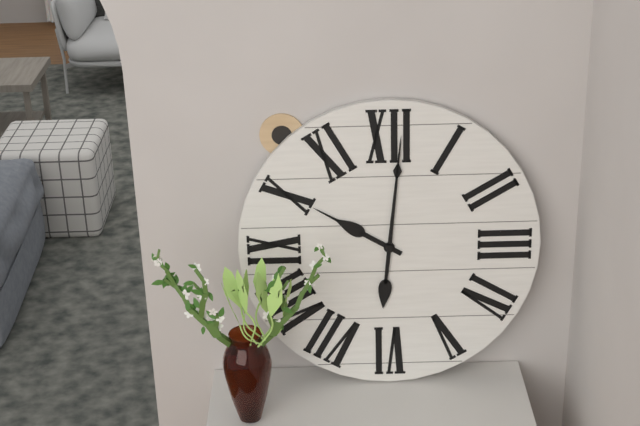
10.01
